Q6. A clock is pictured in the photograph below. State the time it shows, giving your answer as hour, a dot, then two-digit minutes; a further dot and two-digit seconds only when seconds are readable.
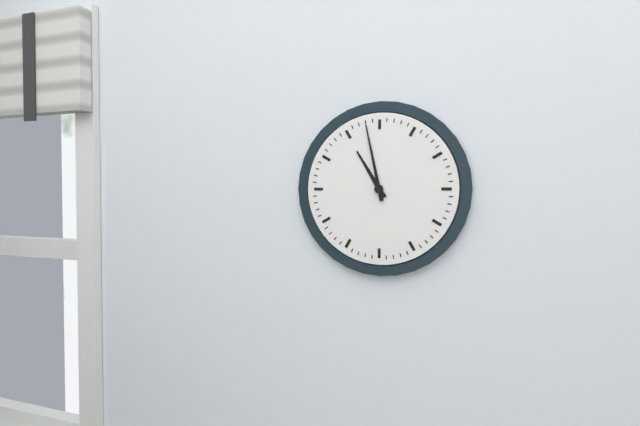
10.58
